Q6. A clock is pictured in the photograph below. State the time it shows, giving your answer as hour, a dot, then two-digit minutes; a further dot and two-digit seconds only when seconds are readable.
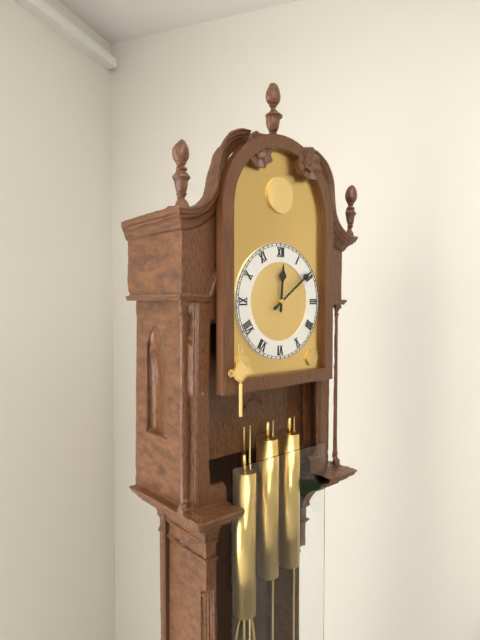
12.09
